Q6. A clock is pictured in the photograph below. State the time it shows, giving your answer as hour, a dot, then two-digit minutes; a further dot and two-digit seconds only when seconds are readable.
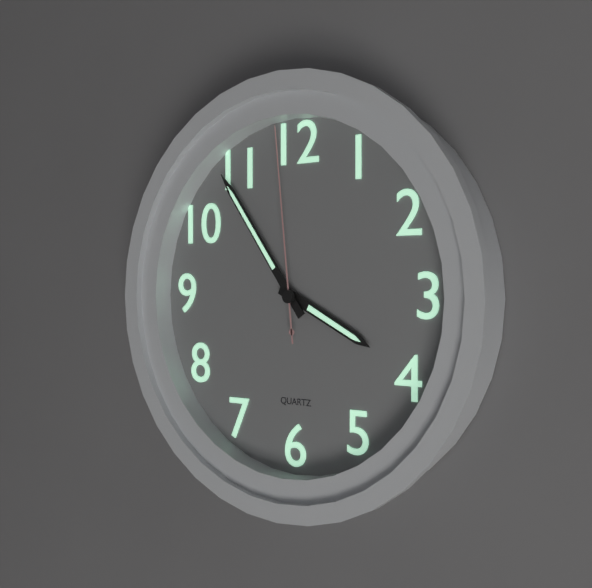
3.54.59
